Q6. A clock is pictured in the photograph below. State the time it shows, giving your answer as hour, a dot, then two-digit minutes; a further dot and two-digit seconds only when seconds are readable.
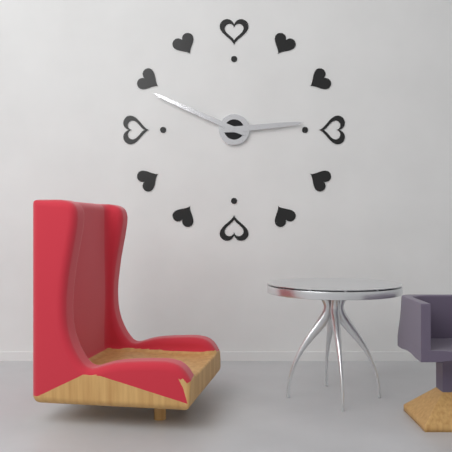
2.49
